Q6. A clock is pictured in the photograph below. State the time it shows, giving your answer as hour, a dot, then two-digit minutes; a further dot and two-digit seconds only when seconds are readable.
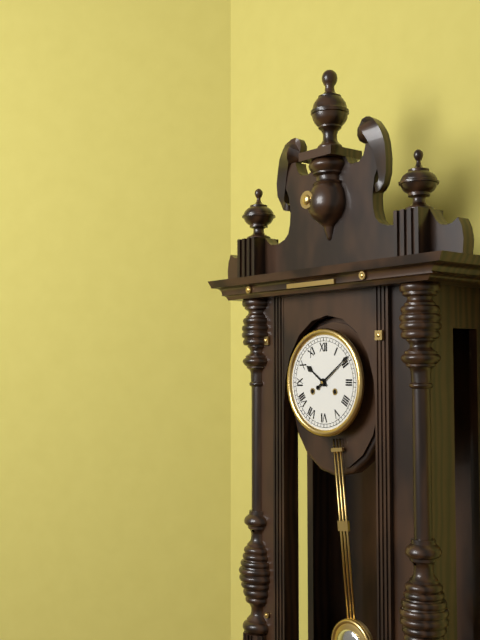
10.09
